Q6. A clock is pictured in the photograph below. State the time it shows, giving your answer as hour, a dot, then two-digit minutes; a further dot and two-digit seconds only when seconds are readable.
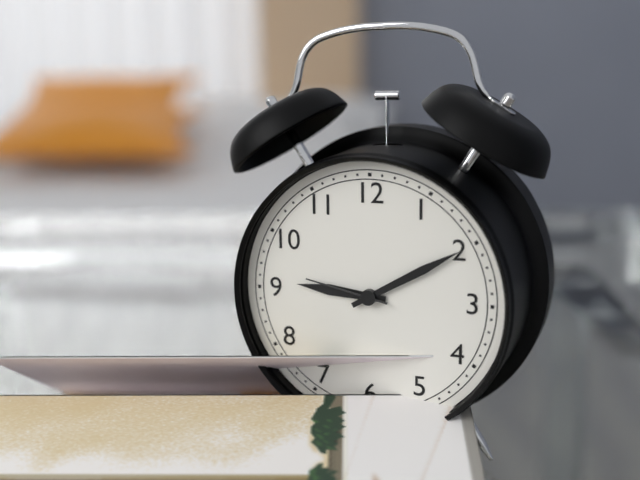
9.10.47
